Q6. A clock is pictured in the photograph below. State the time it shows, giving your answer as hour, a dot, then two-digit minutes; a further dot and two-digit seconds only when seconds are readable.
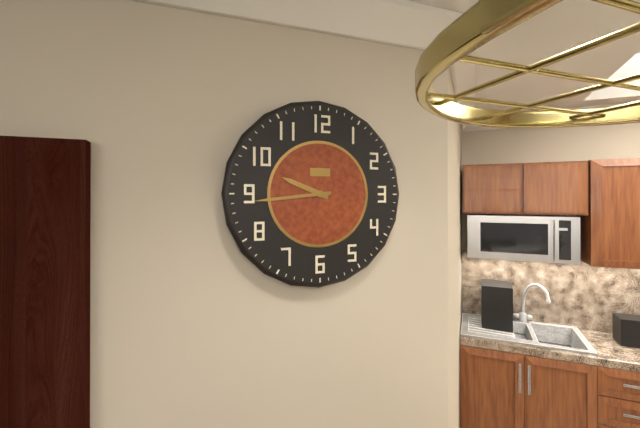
9.44
